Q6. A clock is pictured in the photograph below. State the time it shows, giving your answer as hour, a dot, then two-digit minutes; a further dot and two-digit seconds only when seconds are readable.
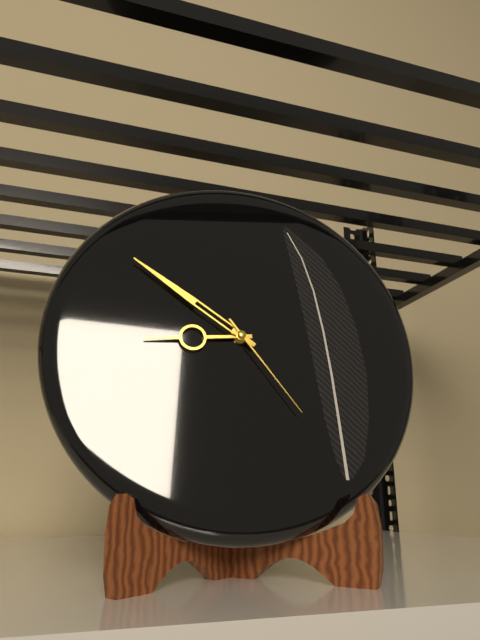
8.51.24
